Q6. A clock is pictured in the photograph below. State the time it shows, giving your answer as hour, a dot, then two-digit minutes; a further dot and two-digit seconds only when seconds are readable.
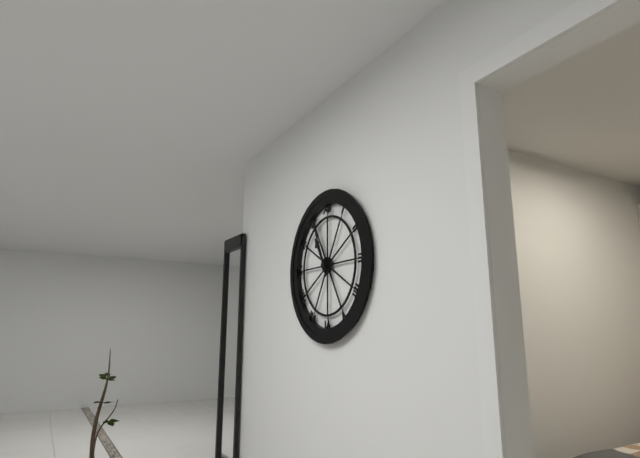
10.56
